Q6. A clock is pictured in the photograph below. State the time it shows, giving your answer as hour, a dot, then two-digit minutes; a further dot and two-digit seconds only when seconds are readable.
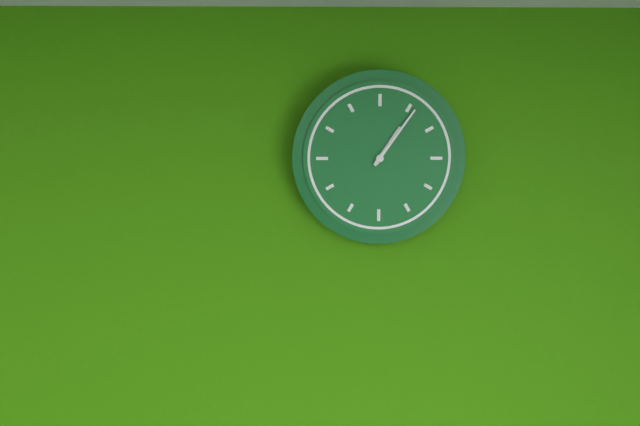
1.06
